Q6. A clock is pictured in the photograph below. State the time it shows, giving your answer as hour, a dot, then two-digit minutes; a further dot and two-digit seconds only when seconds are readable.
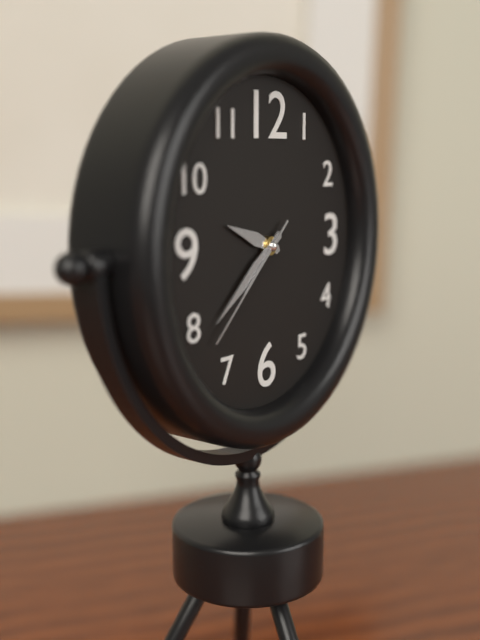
9.39.38
